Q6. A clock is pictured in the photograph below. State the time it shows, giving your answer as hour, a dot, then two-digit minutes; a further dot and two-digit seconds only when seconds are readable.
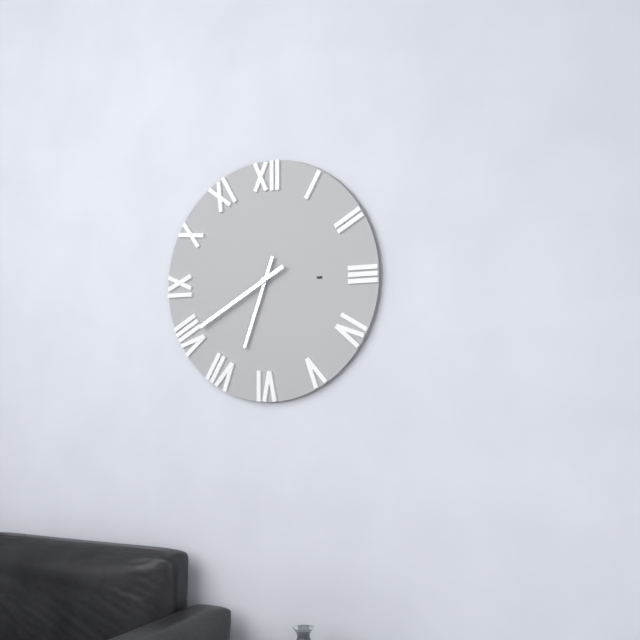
6.40
